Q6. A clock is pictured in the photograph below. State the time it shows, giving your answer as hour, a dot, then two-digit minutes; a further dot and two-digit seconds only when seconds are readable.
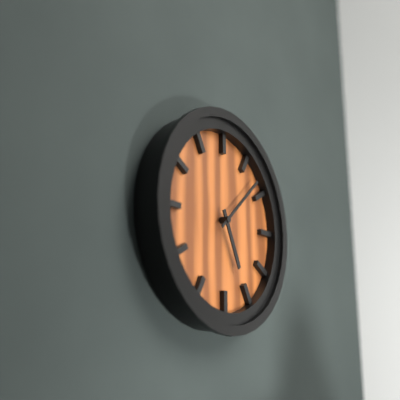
5.08
